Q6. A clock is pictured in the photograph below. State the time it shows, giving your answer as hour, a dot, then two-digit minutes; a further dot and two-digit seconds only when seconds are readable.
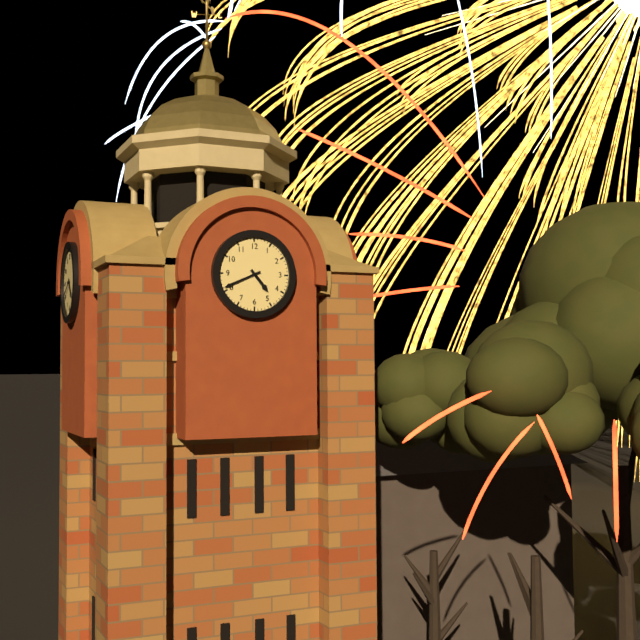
4.41
